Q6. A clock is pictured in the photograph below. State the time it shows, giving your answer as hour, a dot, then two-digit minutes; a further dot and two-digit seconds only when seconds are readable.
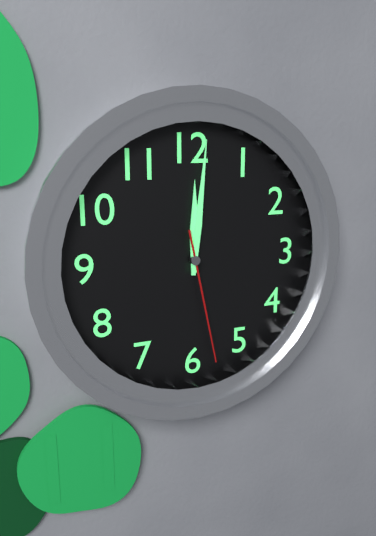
12.01.28
